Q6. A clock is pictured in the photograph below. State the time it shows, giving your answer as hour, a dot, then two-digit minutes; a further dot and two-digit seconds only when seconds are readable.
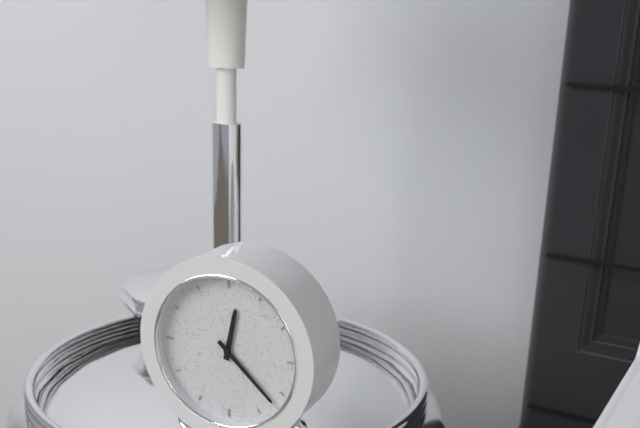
12.22
